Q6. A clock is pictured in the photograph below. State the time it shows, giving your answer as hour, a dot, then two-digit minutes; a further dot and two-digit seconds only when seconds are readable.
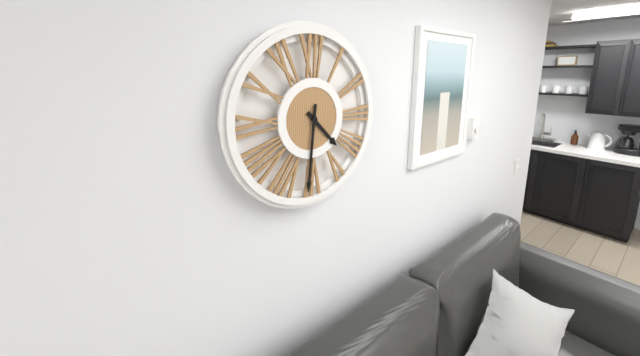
4.31
